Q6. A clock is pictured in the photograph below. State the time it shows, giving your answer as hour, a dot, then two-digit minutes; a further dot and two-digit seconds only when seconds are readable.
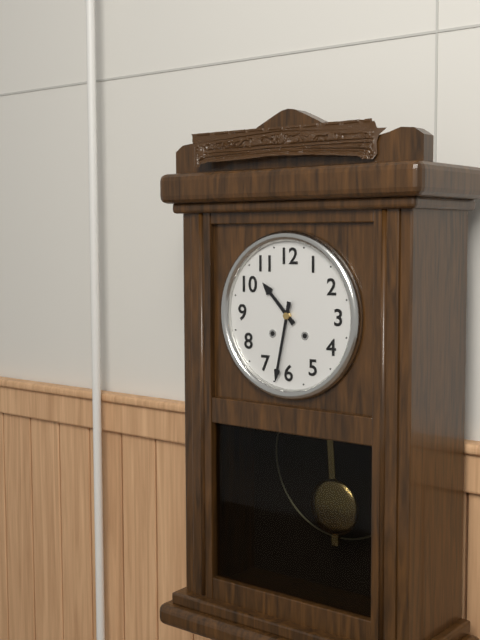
10.32
